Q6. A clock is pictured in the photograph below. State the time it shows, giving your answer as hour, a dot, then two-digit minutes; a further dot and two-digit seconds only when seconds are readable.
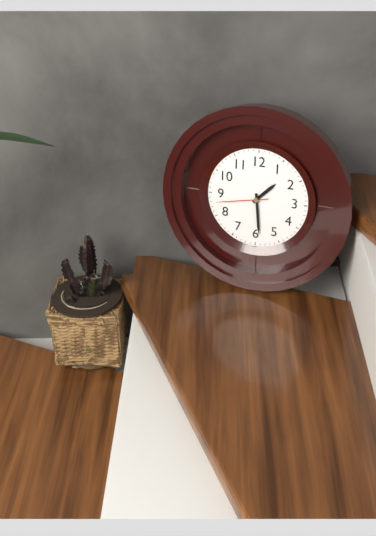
1.29.43
